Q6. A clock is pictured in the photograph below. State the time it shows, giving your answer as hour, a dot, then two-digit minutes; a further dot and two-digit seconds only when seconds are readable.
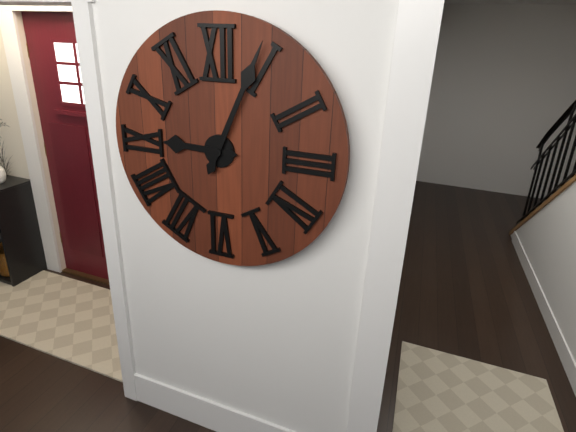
9.04
